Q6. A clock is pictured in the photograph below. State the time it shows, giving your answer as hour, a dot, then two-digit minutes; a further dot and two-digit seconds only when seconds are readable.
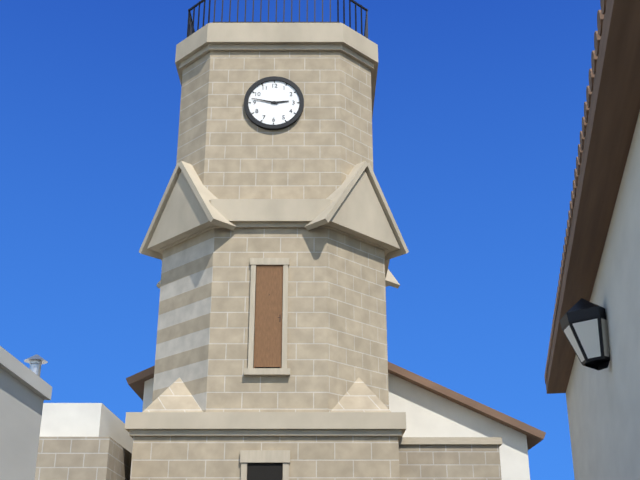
2.47
